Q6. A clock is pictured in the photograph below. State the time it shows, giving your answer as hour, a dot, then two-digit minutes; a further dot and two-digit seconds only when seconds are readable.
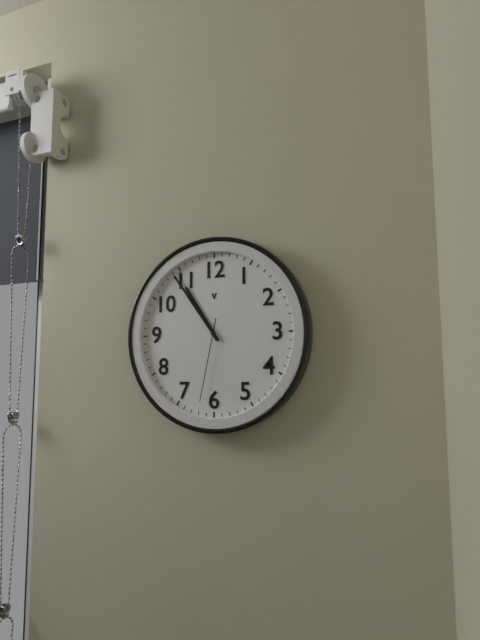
10.54.32
